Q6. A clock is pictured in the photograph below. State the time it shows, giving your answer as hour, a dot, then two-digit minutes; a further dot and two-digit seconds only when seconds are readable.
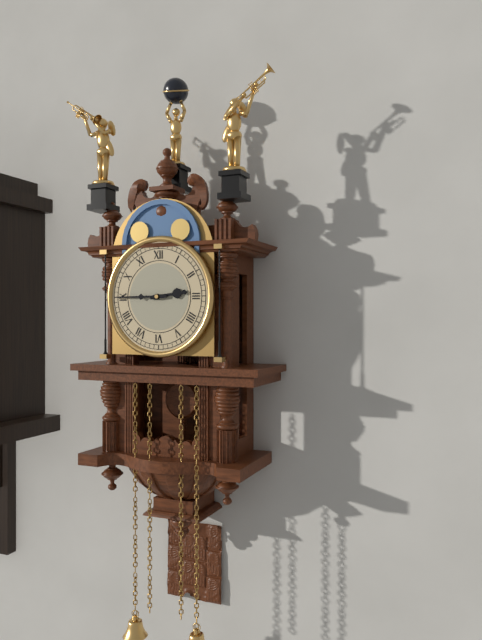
2.45
